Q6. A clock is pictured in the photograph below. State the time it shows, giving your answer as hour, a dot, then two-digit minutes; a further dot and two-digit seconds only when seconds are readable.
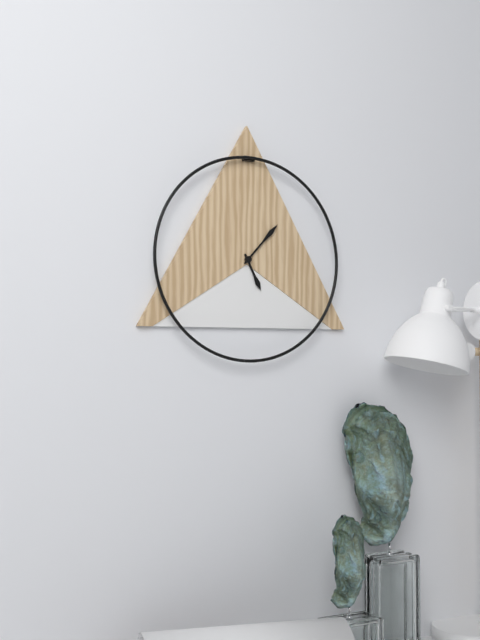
5.07
